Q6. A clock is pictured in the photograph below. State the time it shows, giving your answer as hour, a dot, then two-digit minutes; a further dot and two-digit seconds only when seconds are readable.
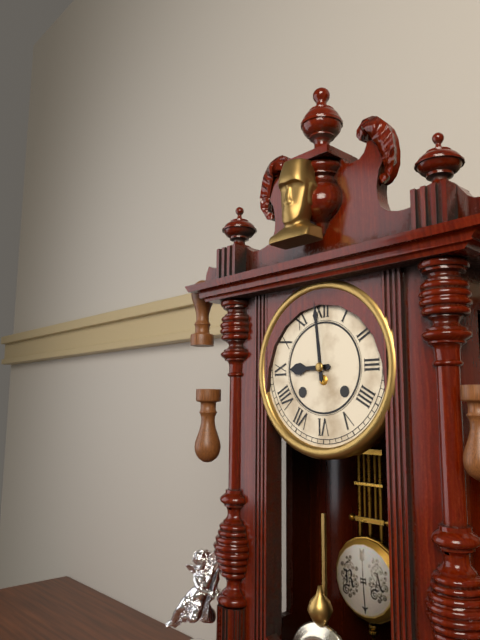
8.59
